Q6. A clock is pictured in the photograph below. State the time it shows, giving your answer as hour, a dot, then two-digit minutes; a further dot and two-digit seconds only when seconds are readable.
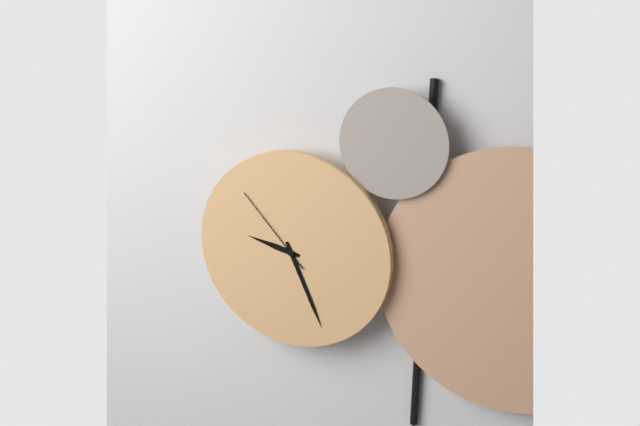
9.26.53
